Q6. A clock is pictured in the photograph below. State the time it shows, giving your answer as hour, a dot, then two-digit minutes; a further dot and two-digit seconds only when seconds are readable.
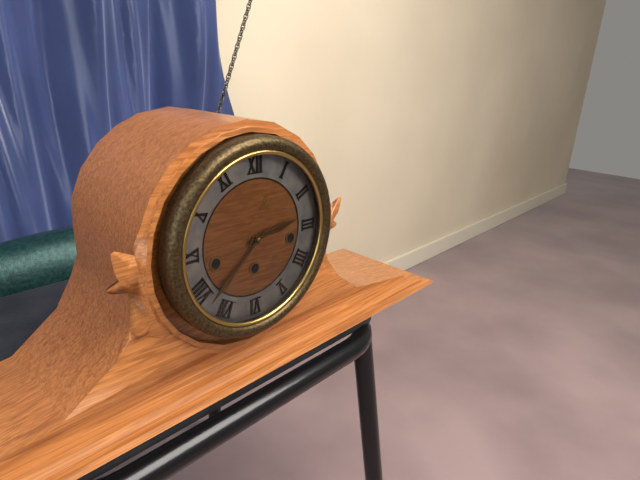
2.38
